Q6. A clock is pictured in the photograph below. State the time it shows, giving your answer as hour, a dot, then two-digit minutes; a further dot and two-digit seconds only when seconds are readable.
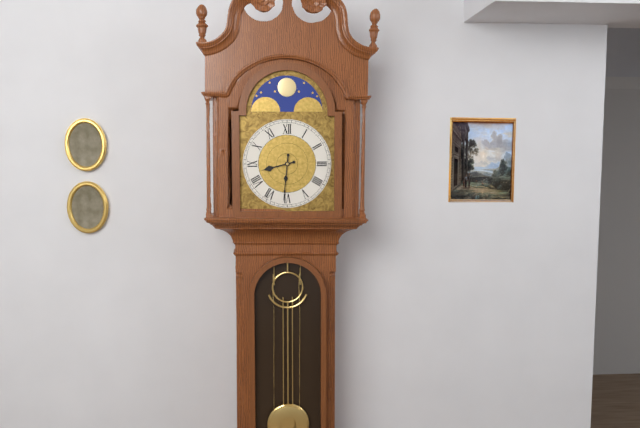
8.31
